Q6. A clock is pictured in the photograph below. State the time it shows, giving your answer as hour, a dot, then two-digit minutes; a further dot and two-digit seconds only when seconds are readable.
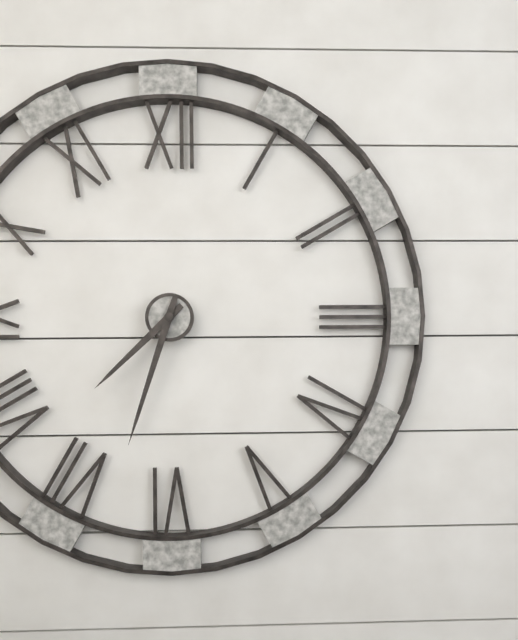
7.33
